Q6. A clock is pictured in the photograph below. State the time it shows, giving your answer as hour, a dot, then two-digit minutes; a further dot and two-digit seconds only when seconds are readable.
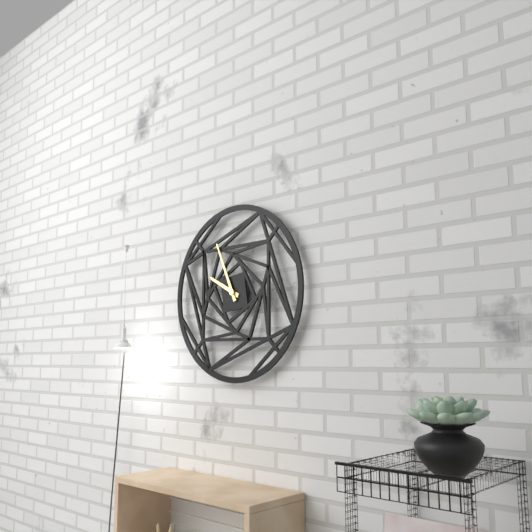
9.56
